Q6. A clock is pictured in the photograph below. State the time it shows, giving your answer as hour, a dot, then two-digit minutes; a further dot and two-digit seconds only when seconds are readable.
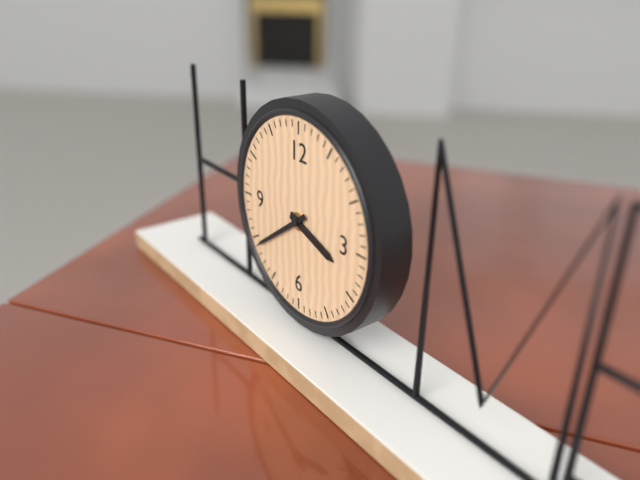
3.39
